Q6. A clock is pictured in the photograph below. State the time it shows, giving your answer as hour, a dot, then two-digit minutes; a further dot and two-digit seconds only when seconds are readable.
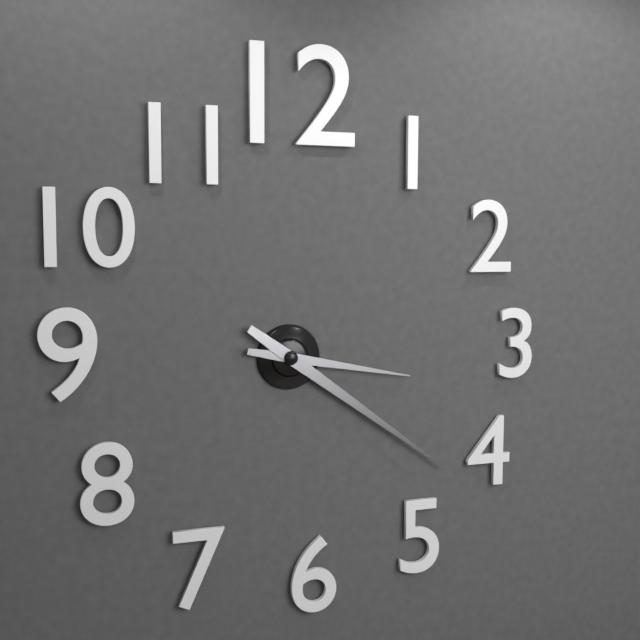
3.21
